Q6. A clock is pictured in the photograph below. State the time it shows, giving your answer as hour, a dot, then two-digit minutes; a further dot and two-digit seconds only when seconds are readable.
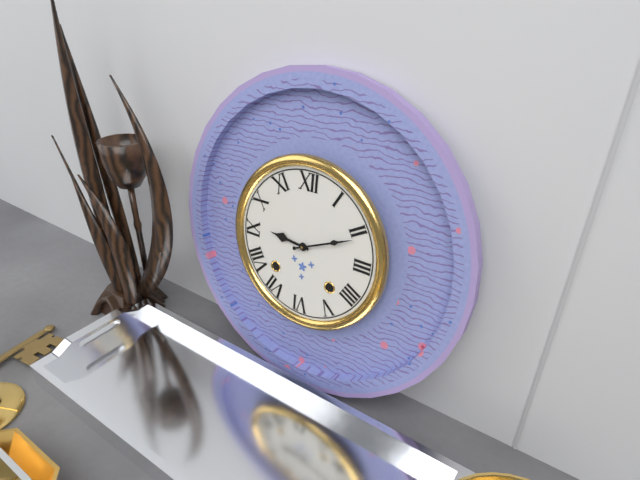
9.11
